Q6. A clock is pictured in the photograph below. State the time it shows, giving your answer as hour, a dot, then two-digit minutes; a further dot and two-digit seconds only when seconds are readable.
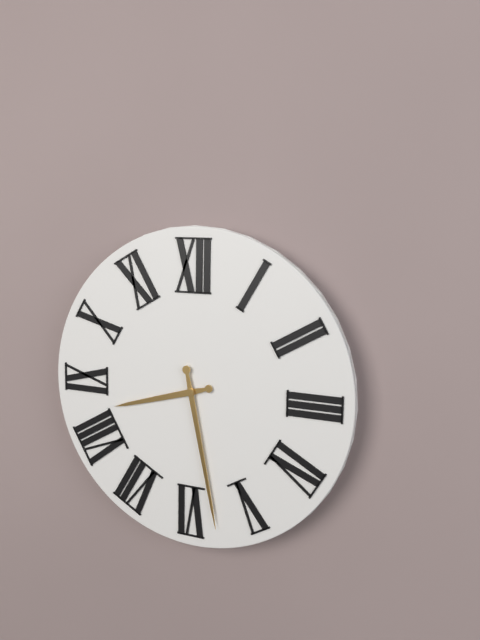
8.28
